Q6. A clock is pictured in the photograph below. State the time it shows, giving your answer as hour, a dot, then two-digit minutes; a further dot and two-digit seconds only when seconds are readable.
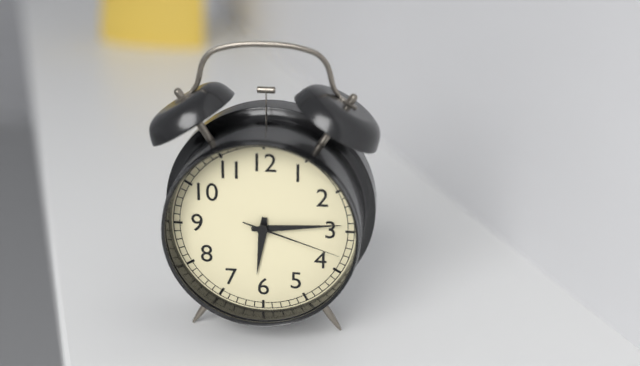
6.14.18
